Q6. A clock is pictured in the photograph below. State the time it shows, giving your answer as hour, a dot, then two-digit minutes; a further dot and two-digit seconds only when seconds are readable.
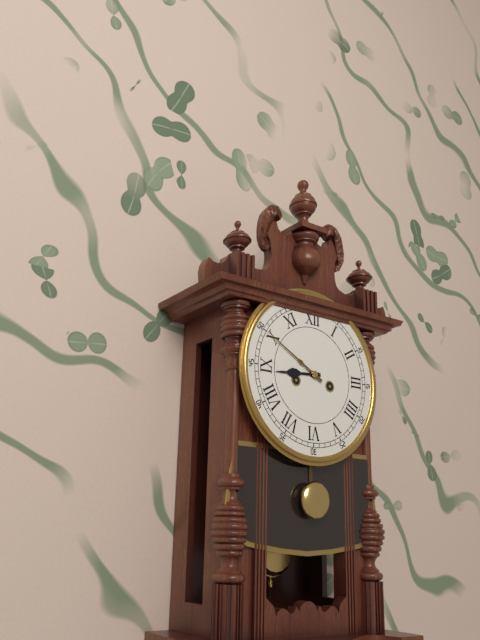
8.50
